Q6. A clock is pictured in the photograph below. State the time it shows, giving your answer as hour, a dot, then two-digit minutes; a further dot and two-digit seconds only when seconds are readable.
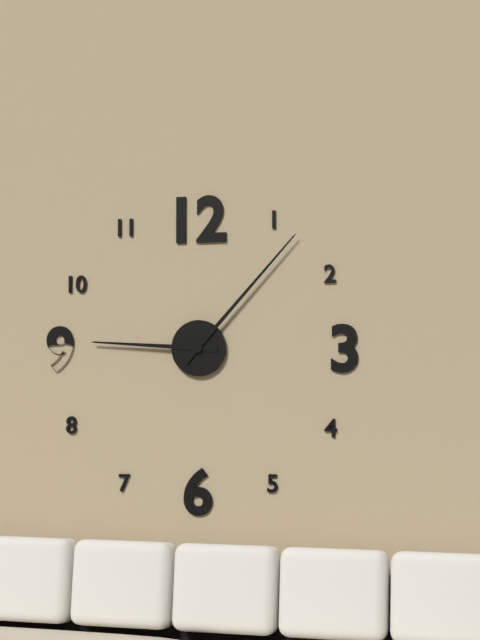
9.07
